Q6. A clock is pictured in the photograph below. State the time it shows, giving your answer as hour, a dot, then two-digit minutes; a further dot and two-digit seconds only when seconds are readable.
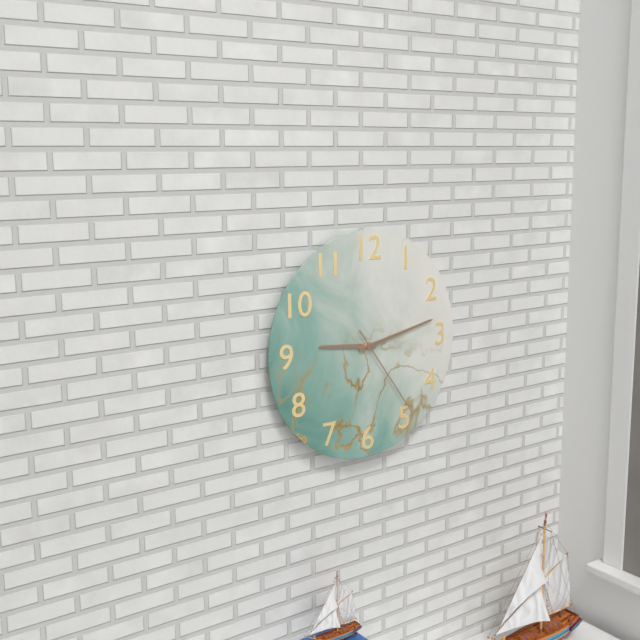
9.13.24
